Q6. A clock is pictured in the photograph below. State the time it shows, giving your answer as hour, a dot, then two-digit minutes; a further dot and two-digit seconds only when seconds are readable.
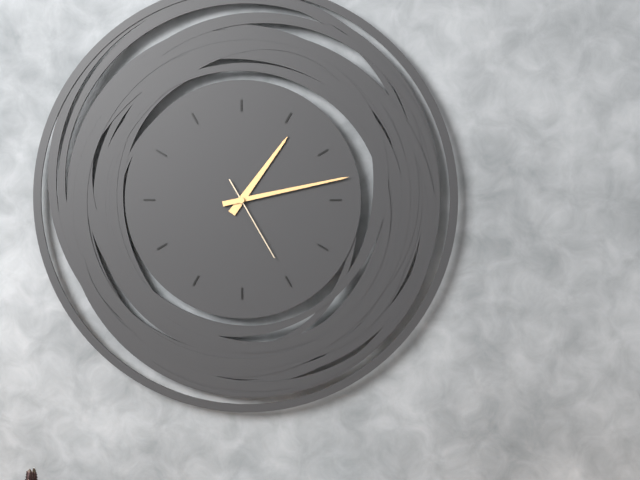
1.13.25
